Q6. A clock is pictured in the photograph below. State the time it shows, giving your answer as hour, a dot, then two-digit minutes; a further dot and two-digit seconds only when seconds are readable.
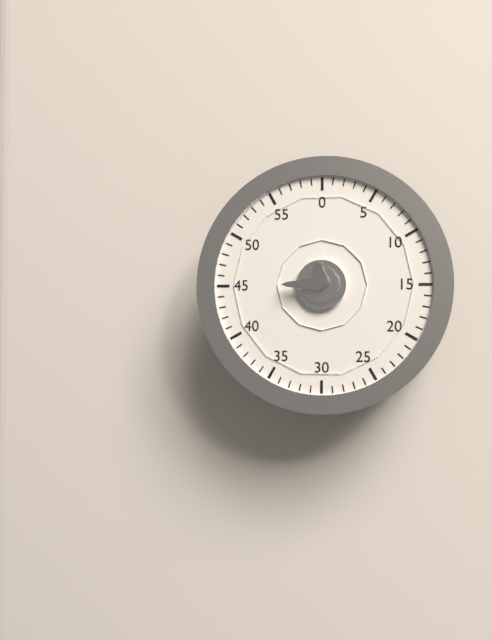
11.45
